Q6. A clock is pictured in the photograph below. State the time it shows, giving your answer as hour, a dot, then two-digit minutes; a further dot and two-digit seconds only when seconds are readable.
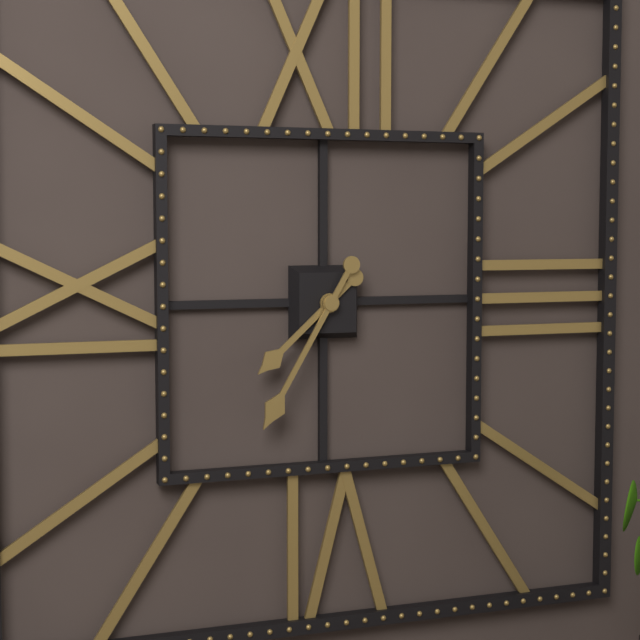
7.35
